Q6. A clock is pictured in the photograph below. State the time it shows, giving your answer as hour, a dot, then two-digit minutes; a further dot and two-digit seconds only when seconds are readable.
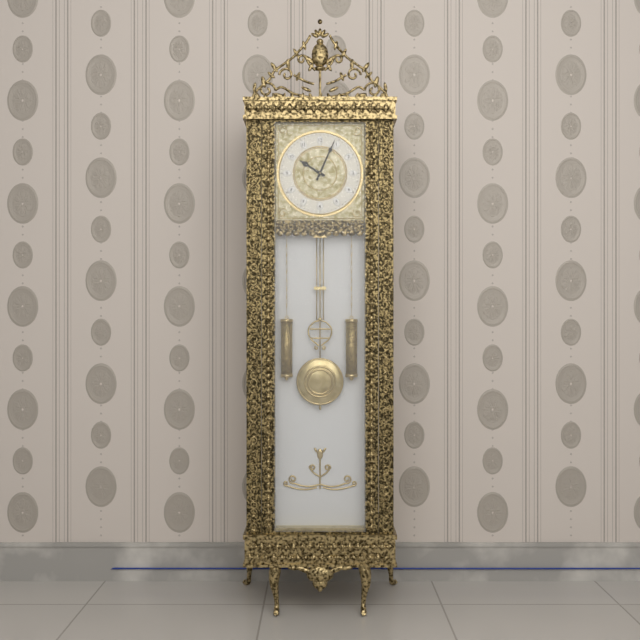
10.04
